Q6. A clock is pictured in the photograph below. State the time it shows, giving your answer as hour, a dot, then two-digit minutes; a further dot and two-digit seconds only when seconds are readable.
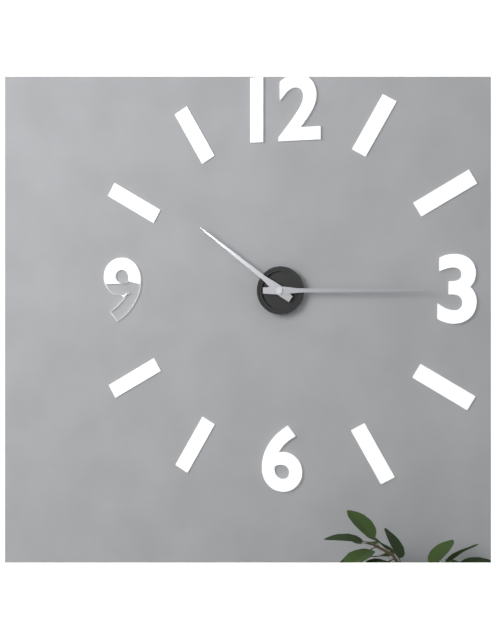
10.15
